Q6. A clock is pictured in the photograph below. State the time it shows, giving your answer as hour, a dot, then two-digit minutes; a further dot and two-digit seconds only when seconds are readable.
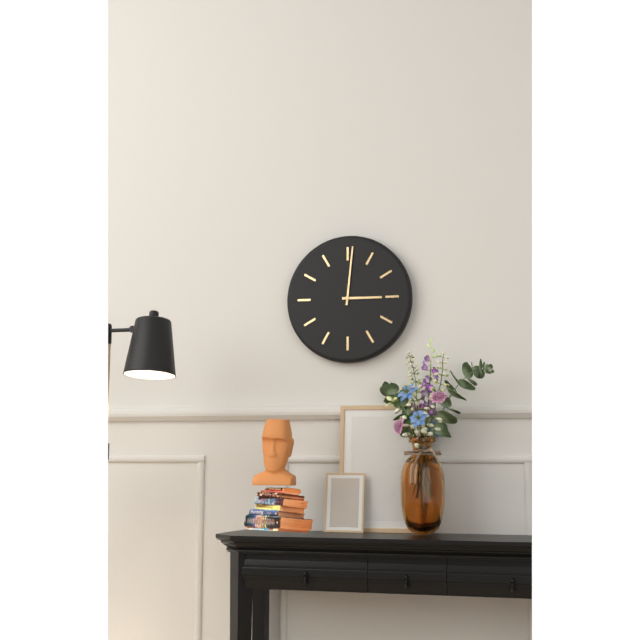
3.01
